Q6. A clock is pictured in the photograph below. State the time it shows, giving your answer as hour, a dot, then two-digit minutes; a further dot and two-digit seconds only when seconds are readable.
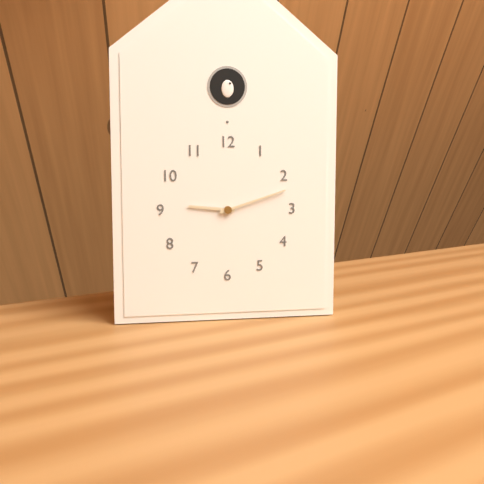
9.12
